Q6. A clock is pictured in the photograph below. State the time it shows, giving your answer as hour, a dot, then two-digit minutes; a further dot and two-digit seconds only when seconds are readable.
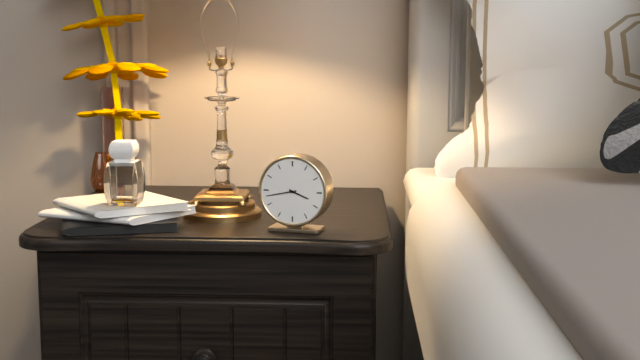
3.43
